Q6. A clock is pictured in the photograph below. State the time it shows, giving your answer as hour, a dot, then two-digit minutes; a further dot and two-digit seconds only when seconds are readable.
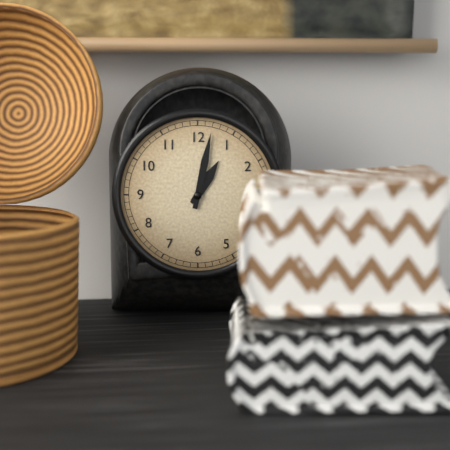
1.02
